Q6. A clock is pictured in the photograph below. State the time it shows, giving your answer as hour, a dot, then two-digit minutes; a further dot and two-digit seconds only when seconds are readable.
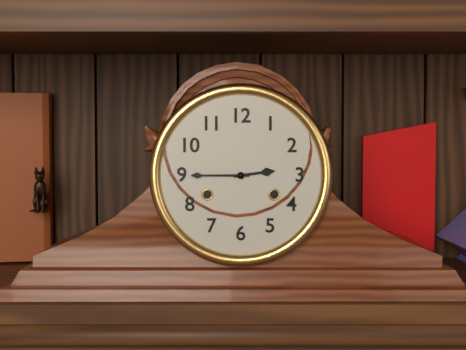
2.45
